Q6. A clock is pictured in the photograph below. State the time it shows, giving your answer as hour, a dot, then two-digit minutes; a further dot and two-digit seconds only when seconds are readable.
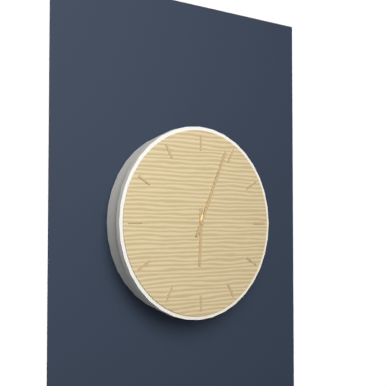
6.04
